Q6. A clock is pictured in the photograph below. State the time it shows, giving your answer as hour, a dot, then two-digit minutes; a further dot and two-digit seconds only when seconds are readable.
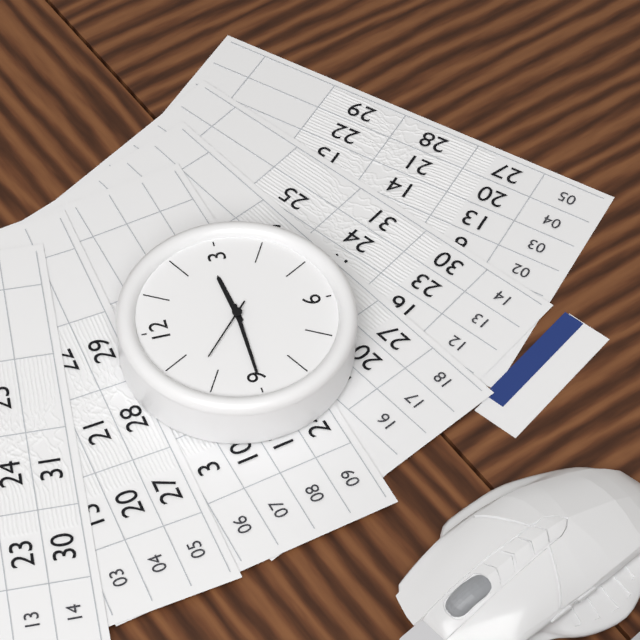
2.45.52
